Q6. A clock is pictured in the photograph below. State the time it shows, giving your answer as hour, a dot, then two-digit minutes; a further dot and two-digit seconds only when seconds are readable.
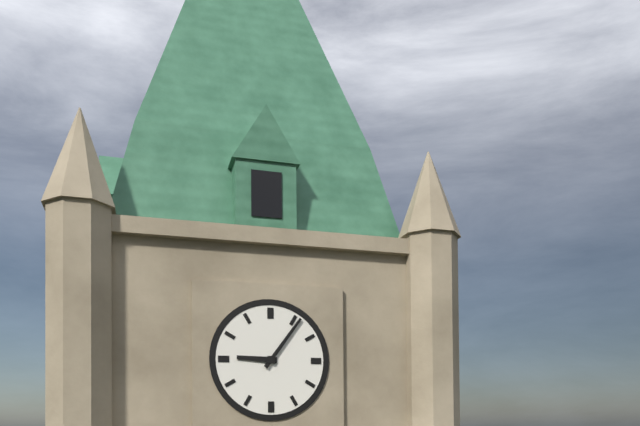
9.06
